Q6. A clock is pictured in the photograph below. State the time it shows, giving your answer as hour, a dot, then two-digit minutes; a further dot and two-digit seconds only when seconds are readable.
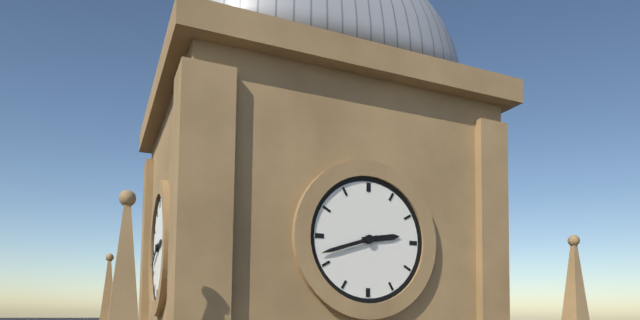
2.42
